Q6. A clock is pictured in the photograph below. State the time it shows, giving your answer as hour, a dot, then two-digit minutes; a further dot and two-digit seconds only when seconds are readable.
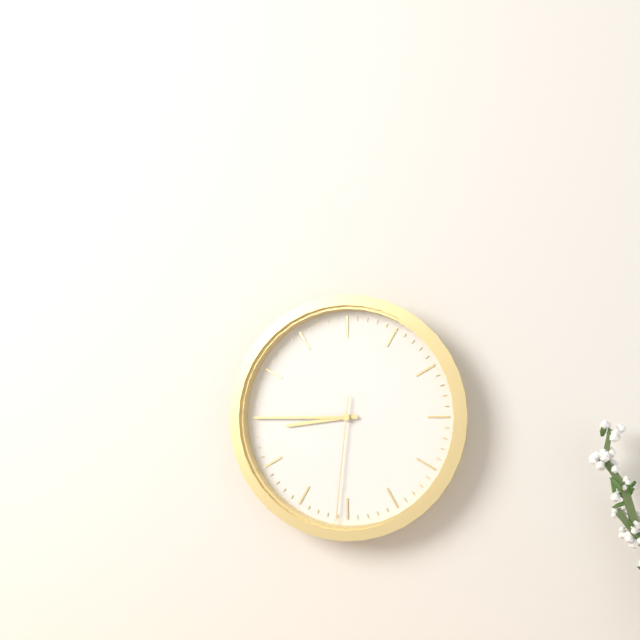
8.45.31
